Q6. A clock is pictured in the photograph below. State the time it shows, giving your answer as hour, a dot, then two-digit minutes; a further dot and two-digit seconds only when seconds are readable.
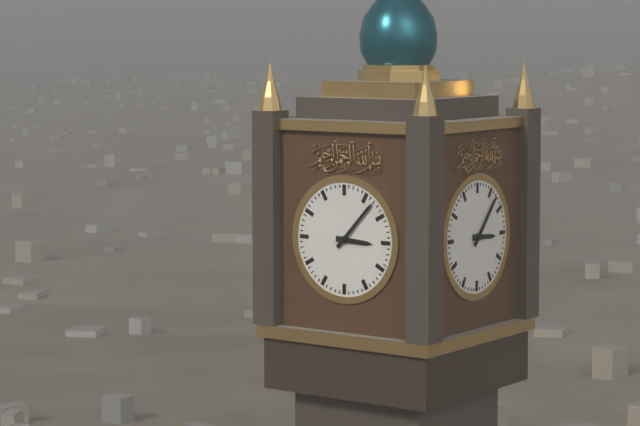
3.07
